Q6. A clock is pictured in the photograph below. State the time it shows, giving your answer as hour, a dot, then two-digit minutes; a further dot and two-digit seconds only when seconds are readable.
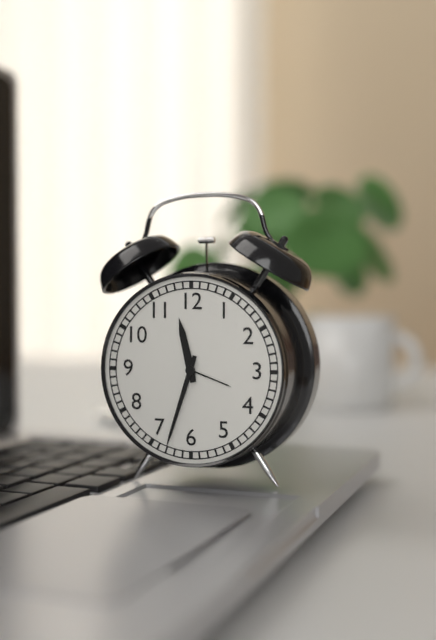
11.33
